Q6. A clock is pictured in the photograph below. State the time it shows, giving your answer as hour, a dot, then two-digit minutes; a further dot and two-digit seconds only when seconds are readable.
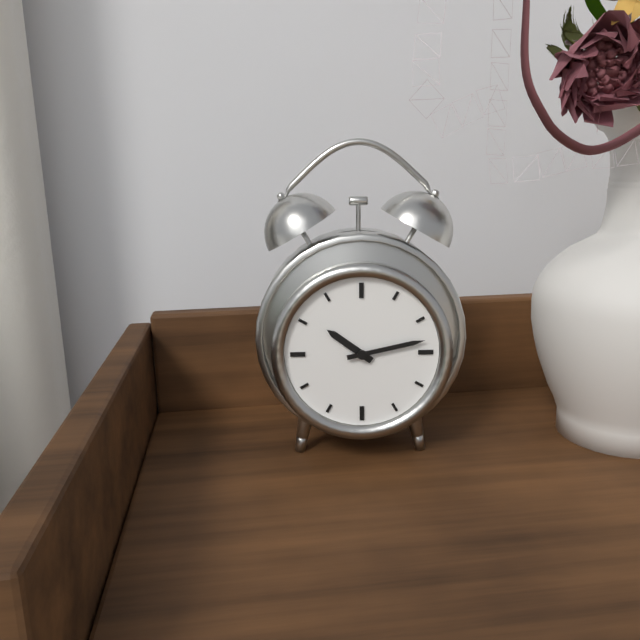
10.13
